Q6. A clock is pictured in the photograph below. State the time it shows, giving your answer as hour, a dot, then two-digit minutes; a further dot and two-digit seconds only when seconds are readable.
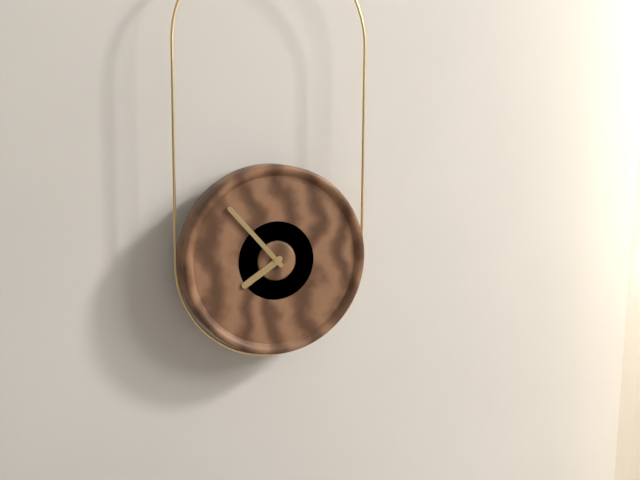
7.53
